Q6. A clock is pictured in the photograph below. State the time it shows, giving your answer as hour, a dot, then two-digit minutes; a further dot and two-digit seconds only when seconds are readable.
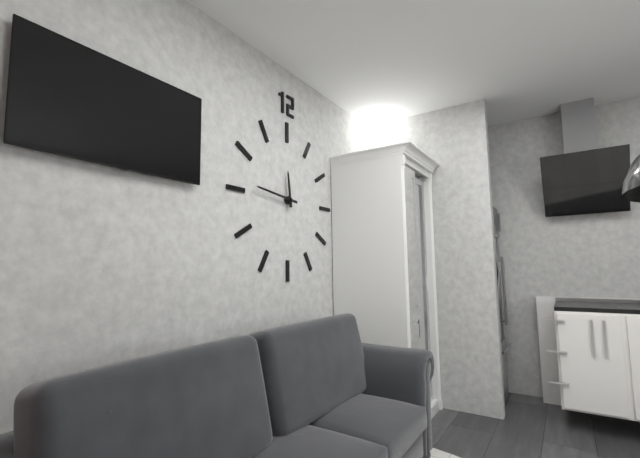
11.46
